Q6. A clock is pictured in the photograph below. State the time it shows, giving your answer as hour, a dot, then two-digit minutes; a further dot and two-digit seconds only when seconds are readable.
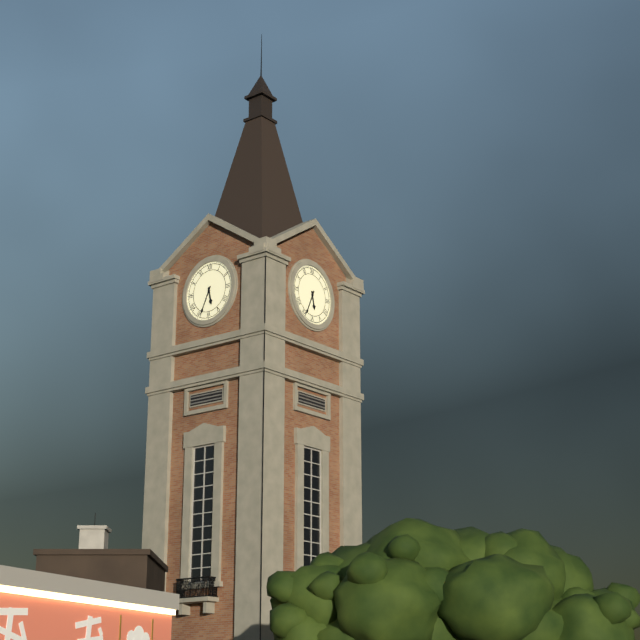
5.34
